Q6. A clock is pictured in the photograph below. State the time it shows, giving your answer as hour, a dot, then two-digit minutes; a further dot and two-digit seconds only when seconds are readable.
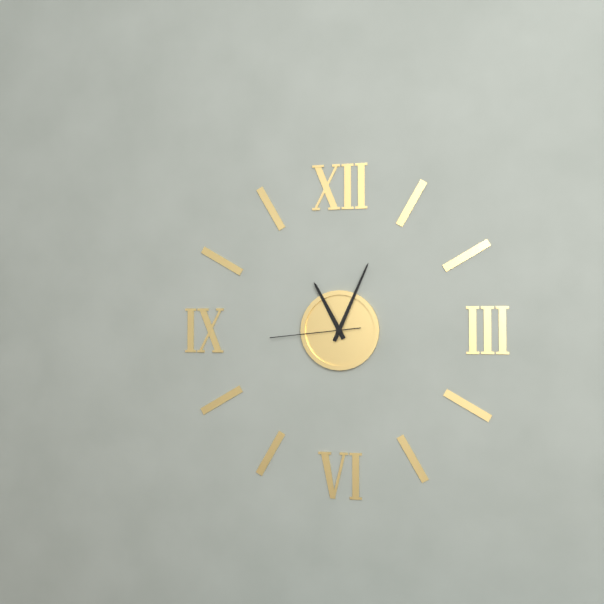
11.04.44
